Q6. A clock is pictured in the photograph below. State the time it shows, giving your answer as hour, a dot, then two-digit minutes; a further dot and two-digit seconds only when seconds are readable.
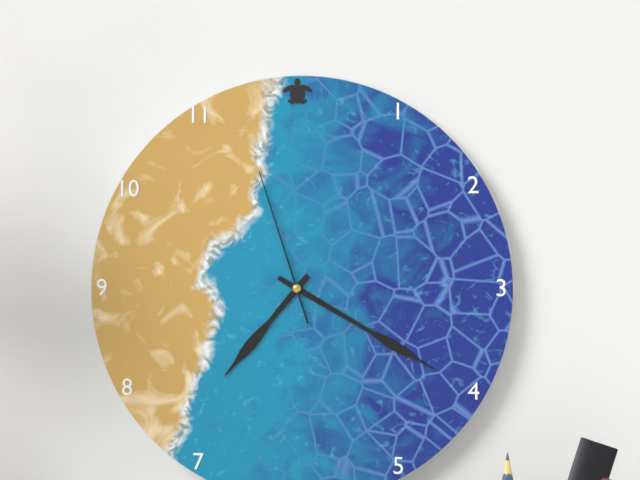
7.20.57
